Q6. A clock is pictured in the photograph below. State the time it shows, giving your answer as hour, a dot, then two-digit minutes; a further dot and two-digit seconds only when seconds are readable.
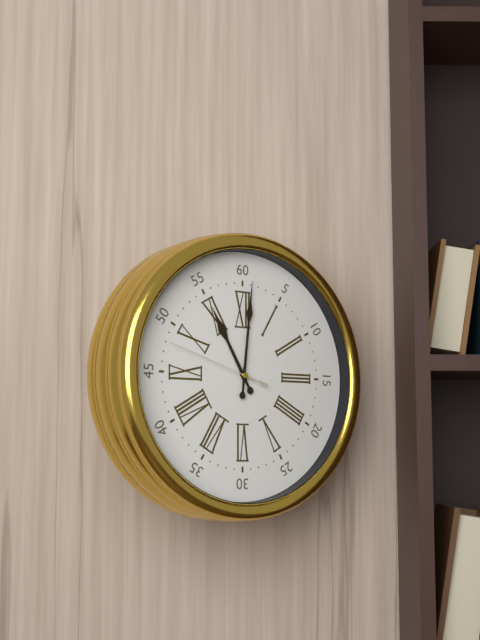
11.01.48
